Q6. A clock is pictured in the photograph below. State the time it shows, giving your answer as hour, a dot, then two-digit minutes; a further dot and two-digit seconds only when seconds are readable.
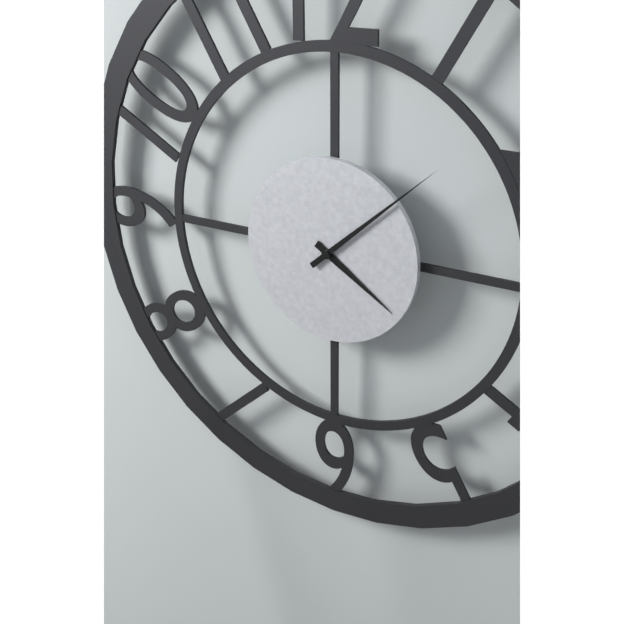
4.08
